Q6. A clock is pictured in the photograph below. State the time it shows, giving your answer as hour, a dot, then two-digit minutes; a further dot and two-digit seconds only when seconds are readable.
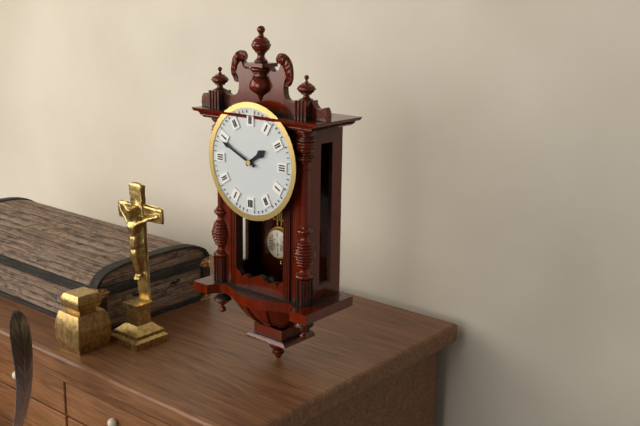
1.49
